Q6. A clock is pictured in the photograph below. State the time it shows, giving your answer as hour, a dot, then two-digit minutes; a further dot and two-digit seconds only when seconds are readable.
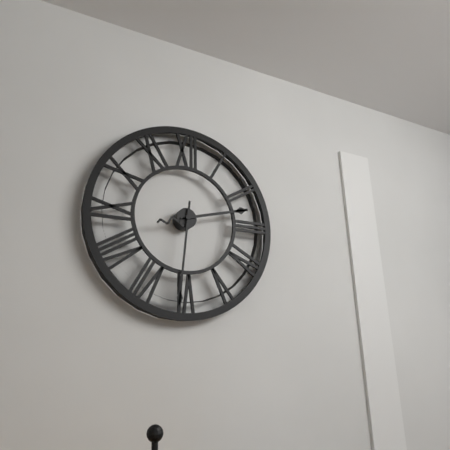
2.31
